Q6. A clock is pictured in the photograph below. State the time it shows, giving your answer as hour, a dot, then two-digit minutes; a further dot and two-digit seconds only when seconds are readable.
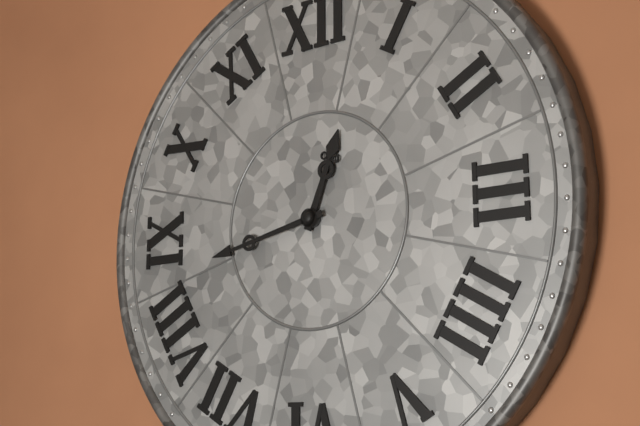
12.43
